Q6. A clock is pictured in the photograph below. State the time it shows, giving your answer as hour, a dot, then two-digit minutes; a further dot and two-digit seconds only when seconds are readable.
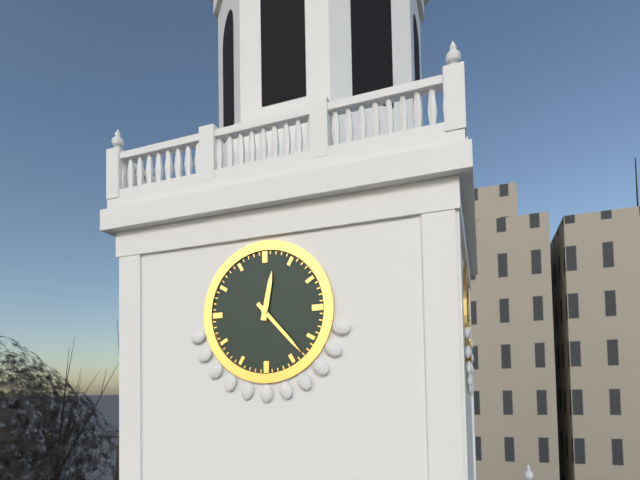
12.23
